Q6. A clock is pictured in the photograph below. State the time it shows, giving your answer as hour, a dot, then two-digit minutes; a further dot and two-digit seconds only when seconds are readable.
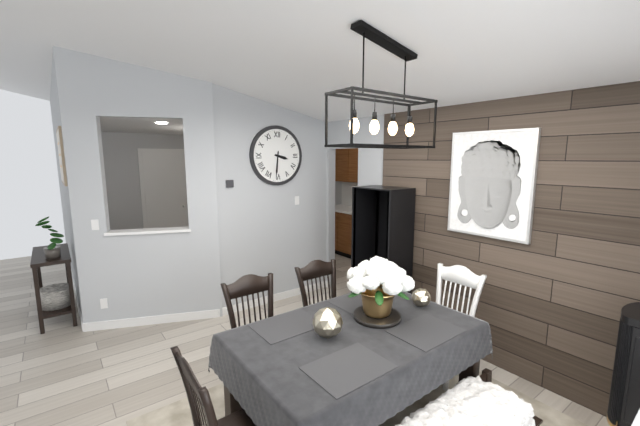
3.31
